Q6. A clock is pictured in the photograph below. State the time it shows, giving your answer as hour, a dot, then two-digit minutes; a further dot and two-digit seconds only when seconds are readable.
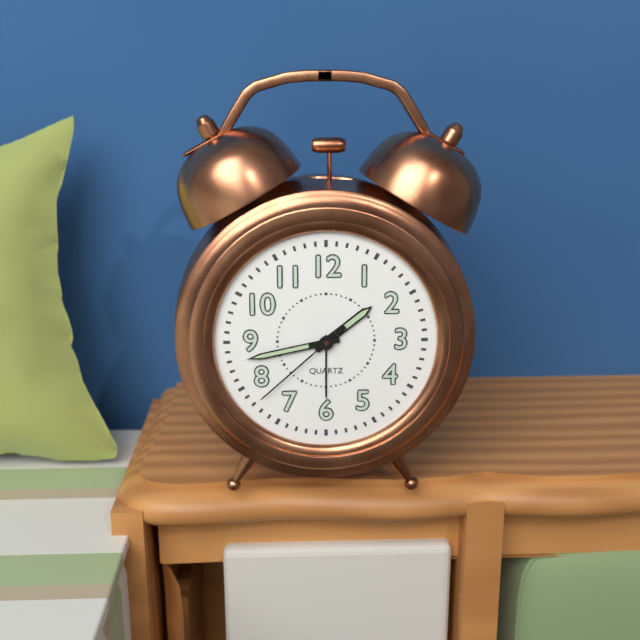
1.43.38
